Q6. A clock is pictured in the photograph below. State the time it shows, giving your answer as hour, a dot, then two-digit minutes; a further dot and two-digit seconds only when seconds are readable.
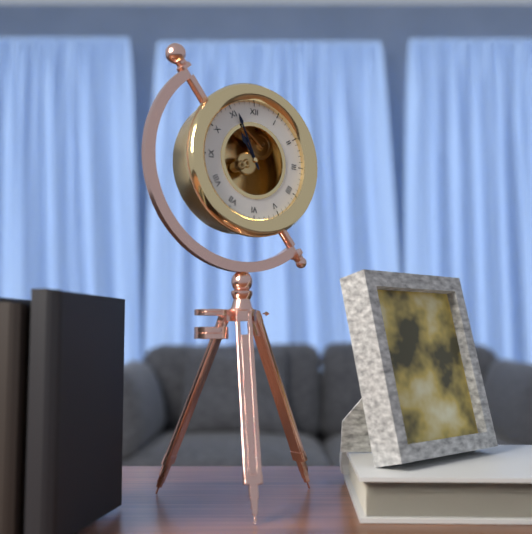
10.56
